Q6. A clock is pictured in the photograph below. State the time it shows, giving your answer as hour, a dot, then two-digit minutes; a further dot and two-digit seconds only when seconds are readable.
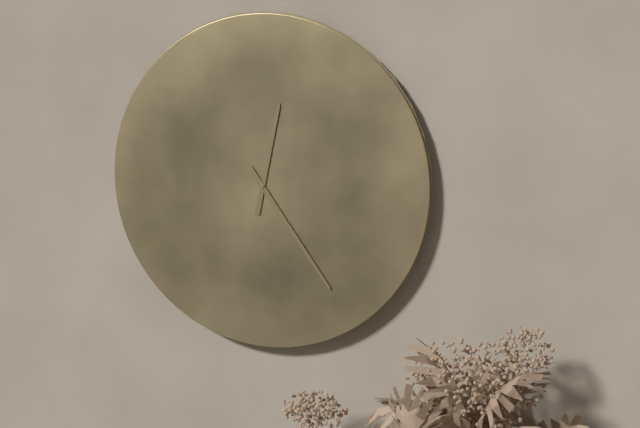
12.24
